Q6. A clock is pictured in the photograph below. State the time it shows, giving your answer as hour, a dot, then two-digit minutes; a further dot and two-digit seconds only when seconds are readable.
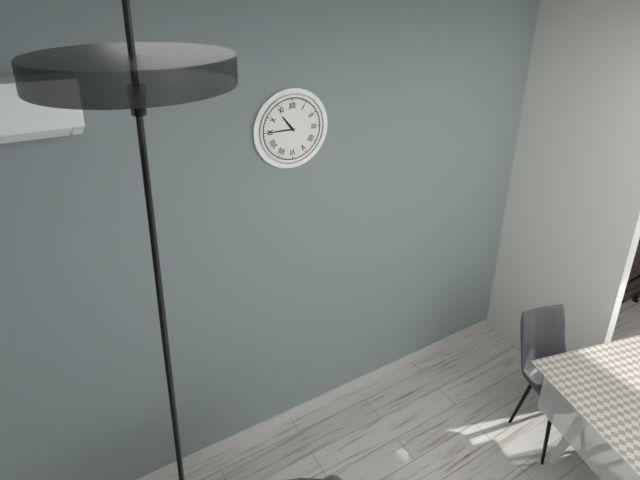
10.45
